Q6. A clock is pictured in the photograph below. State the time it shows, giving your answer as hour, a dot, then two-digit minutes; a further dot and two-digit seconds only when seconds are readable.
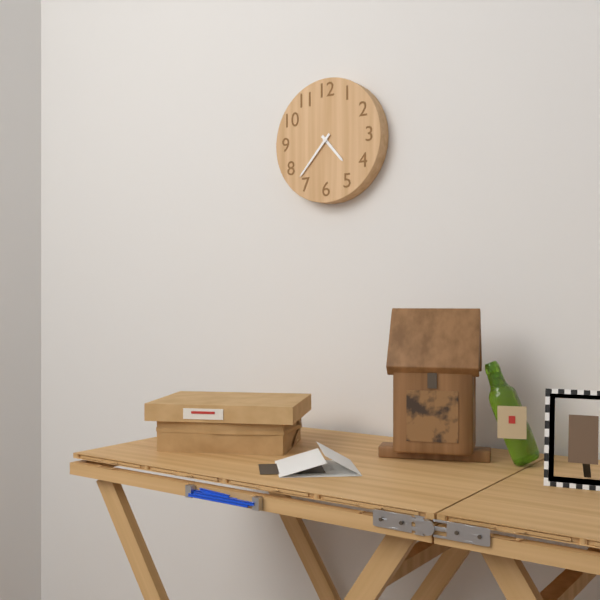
4.37
